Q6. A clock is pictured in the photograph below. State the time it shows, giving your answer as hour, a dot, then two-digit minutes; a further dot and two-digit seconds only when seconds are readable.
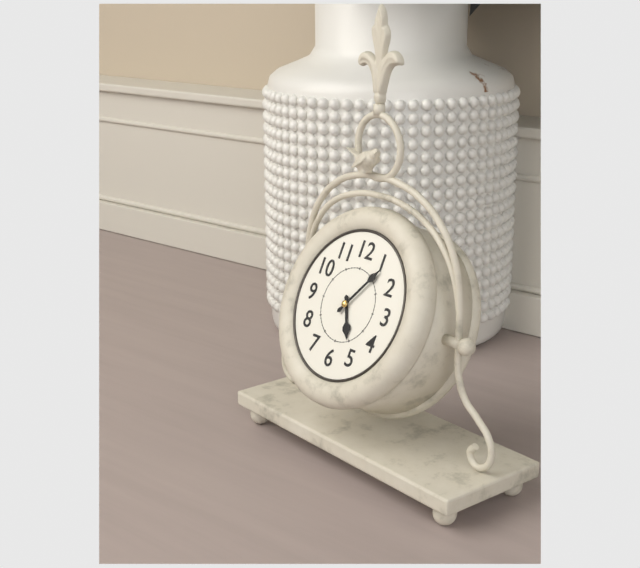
5.06
